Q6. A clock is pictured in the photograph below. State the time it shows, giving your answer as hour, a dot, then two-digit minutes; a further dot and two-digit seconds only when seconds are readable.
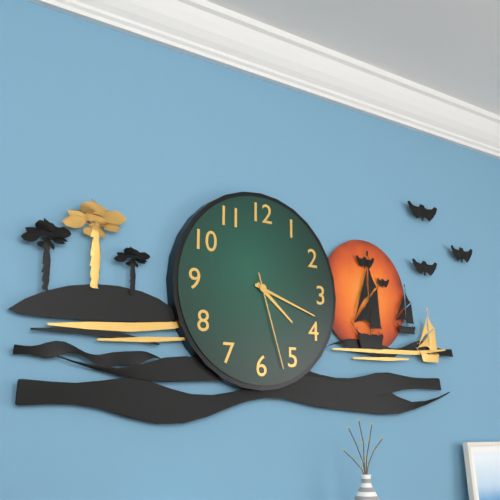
4.18.27
